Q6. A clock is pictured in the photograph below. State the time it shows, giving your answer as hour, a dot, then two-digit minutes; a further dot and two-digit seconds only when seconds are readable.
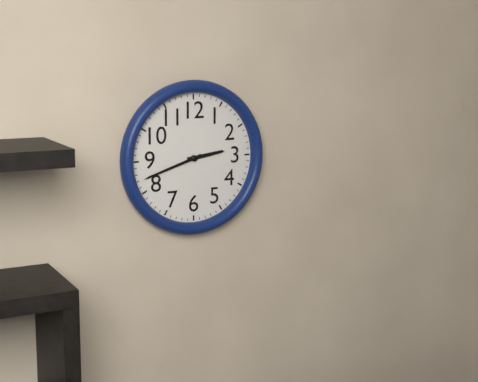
2.42
